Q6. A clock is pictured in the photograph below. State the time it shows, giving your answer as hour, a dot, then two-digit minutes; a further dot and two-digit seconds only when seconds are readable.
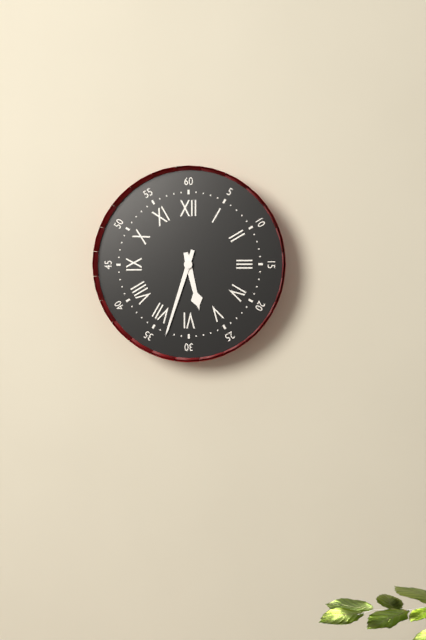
5.33
